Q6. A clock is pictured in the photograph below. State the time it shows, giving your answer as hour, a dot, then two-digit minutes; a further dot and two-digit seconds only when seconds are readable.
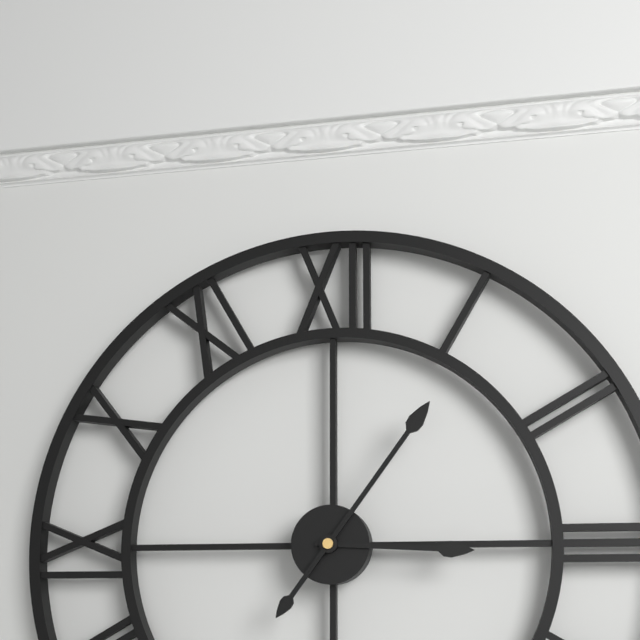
3.06
